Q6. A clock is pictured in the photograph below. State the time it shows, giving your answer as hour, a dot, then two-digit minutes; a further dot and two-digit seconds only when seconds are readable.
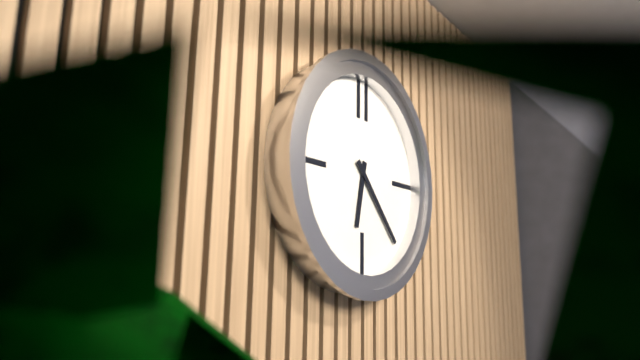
6.23
